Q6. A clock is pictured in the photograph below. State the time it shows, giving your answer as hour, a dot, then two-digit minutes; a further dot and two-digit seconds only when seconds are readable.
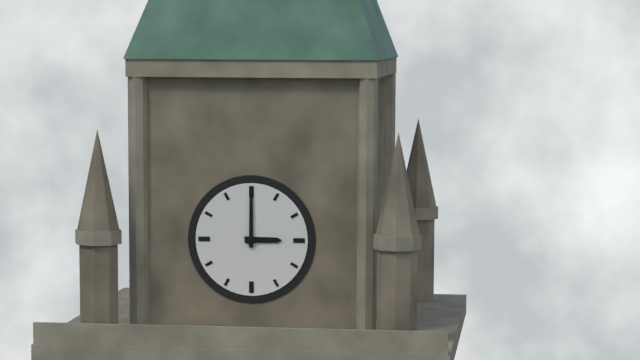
3.00
